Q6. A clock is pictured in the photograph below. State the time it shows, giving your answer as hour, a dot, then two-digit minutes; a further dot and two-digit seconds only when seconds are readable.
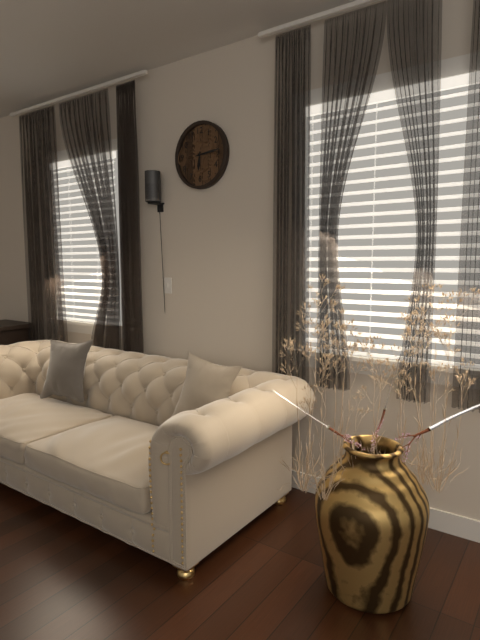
6.14
